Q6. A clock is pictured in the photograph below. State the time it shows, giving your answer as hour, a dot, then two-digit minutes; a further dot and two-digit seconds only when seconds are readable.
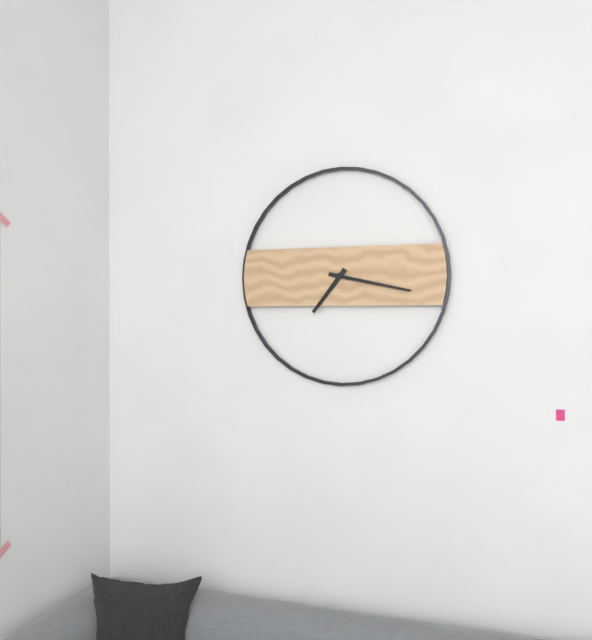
7.17
